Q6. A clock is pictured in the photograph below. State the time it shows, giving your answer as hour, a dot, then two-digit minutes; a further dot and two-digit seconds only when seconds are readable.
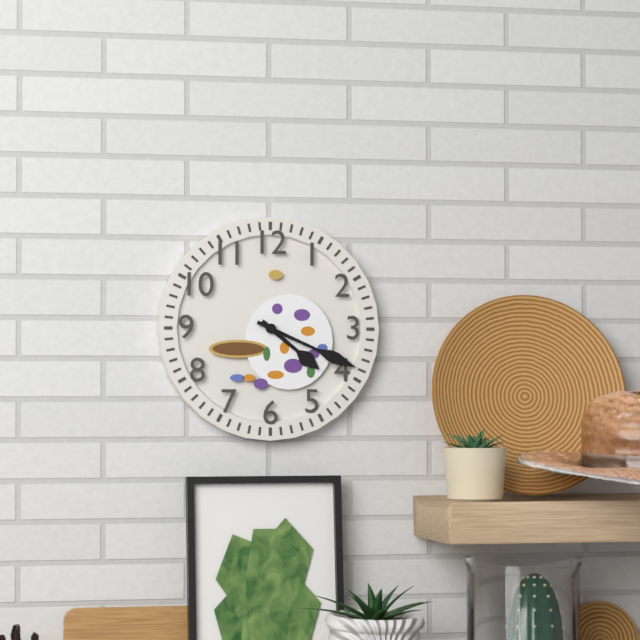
4.19
